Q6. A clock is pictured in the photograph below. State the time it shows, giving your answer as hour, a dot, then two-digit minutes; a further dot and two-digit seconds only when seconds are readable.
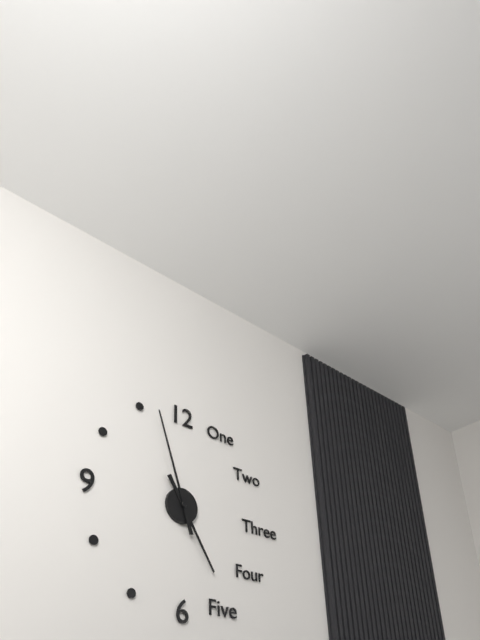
4.57
